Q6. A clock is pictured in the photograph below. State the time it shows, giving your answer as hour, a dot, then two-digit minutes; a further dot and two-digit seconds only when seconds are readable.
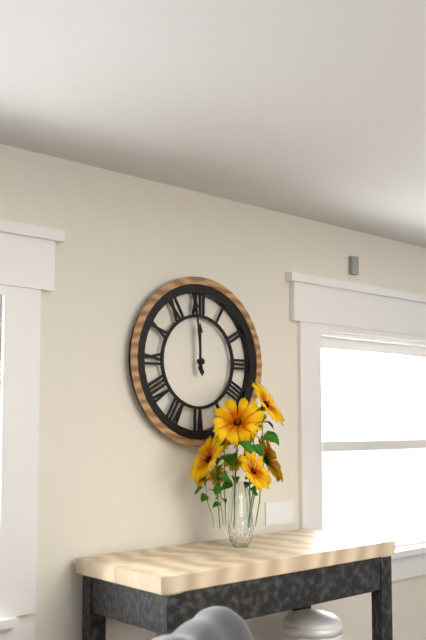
11.59
